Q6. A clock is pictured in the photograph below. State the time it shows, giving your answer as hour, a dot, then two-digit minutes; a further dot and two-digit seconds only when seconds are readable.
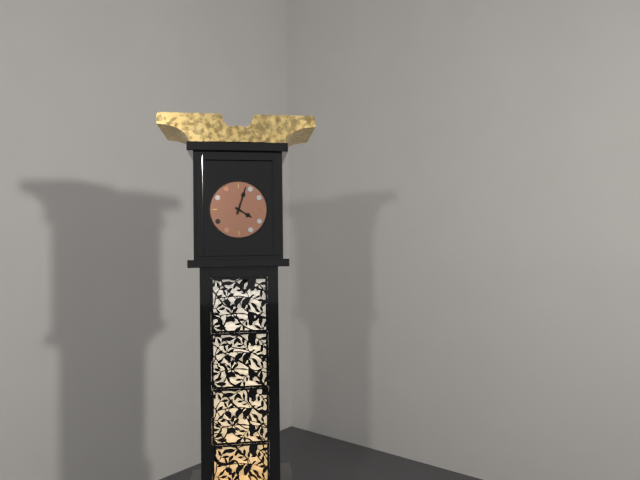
4.03
